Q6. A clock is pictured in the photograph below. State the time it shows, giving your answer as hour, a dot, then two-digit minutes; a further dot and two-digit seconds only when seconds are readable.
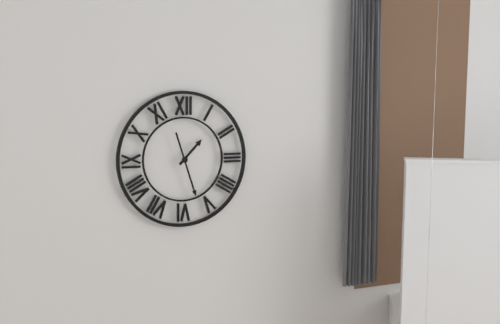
1.27
